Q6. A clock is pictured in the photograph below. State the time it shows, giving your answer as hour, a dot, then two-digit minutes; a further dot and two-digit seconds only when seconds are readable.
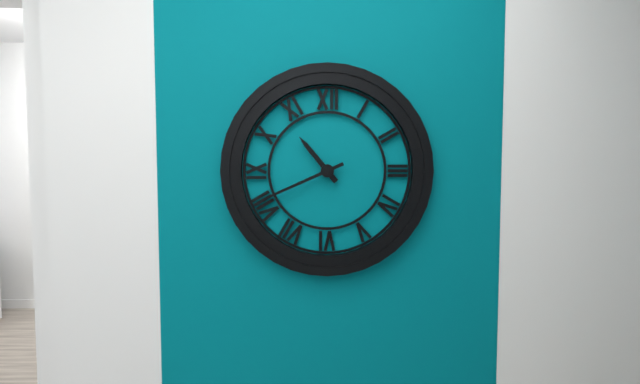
10.41
